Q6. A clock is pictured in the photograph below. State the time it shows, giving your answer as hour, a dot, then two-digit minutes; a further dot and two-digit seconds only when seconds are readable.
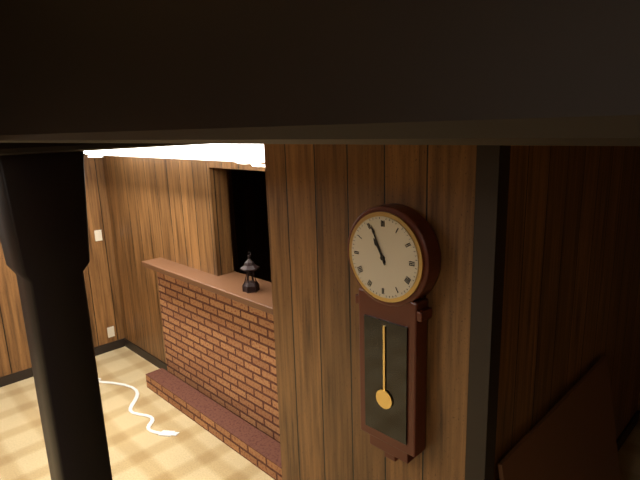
10.56
